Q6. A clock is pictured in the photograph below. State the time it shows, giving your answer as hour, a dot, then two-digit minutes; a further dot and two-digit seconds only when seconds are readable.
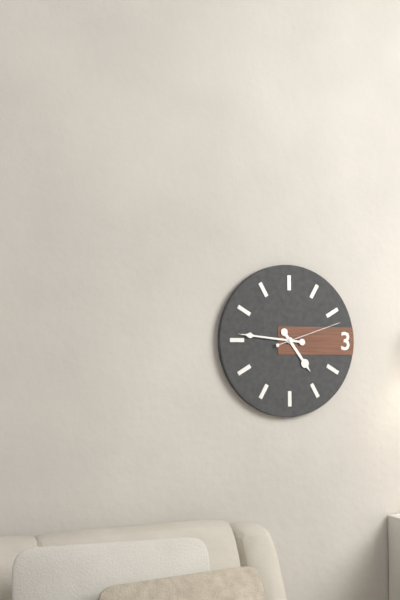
4.46.12
